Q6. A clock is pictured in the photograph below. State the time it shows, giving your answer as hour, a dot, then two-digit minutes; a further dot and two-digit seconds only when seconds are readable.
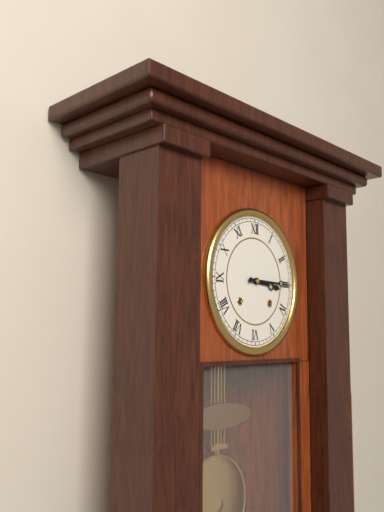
3.15
